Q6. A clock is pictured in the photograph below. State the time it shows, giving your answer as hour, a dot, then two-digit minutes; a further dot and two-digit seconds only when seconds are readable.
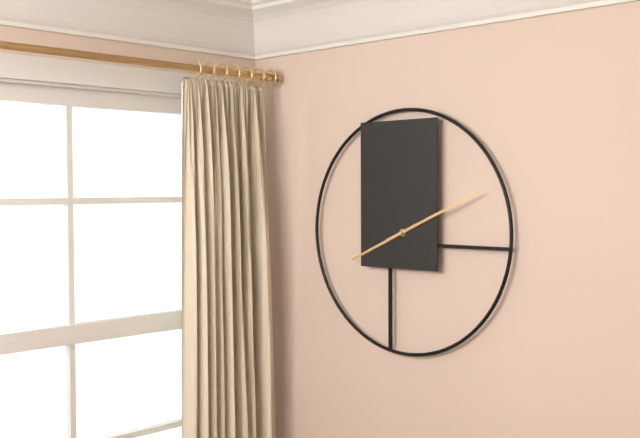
8.11
